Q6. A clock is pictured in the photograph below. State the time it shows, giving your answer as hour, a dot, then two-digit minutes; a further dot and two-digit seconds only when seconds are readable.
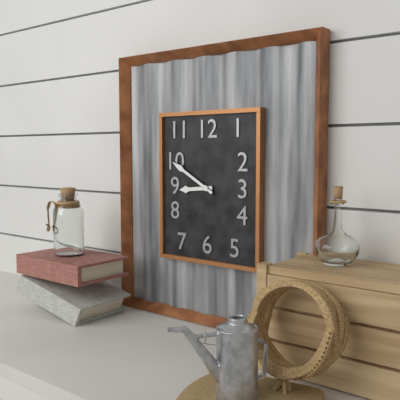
8.50
